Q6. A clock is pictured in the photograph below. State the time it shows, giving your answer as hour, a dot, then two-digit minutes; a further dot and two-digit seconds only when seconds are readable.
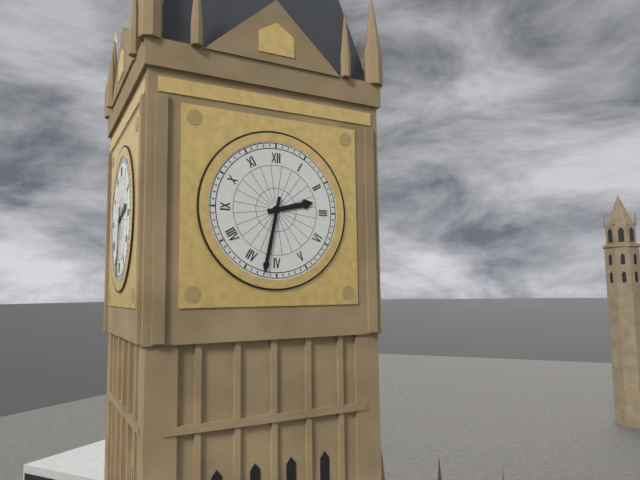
2.32
